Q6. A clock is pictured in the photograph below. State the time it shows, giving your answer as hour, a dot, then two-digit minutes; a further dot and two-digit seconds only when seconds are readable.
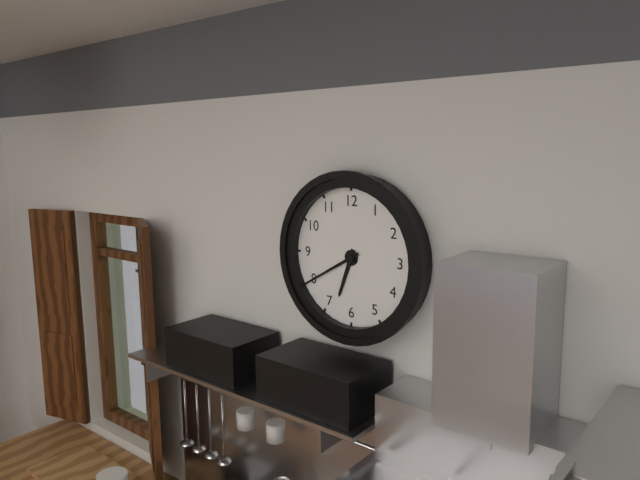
6.40
